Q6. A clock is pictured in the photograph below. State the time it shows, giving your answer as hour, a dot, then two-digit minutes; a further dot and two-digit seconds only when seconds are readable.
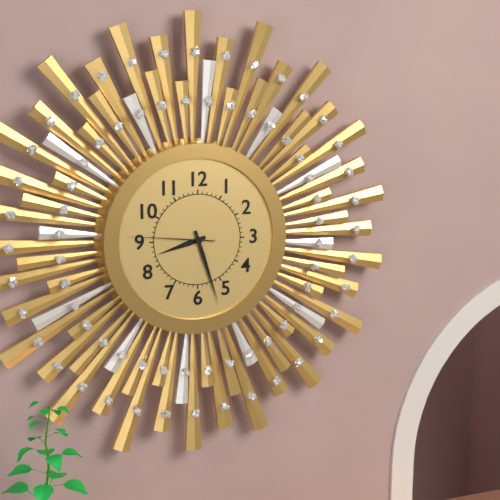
8.27.46
